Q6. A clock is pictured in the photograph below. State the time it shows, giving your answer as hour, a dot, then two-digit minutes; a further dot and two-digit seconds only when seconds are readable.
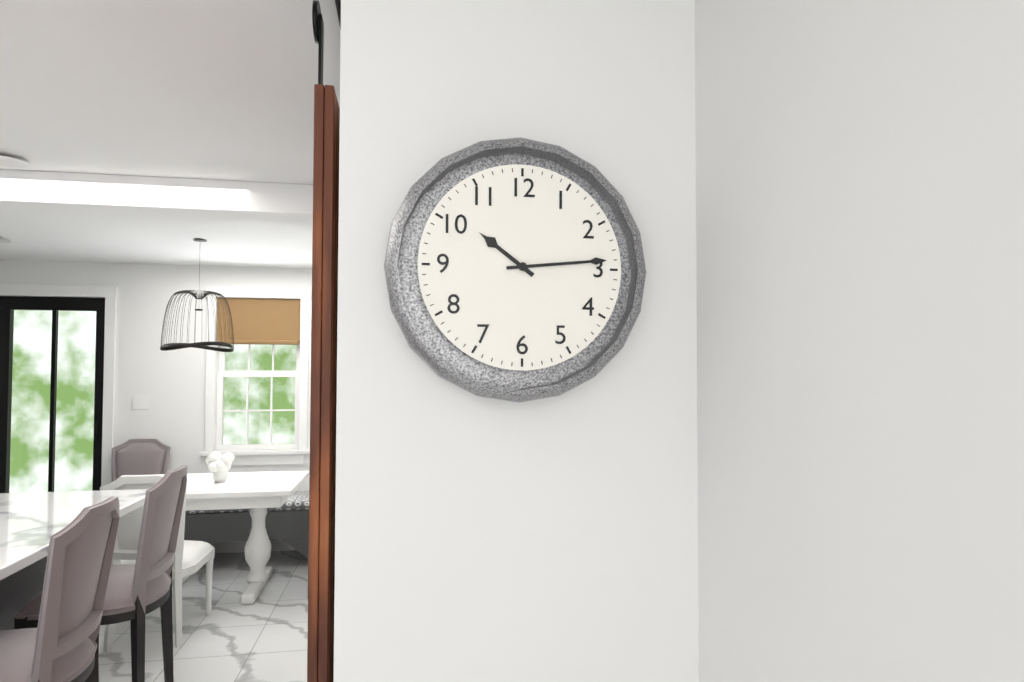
10.14
